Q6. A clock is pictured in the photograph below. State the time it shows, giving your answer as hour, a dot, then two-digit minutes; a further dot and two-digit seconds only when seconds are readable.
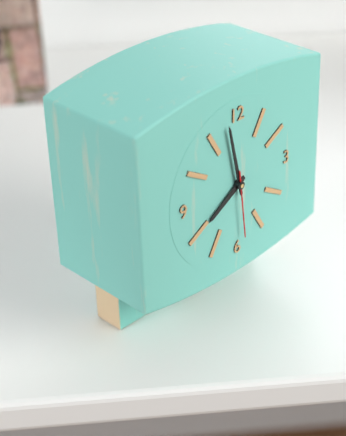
7.58.29
